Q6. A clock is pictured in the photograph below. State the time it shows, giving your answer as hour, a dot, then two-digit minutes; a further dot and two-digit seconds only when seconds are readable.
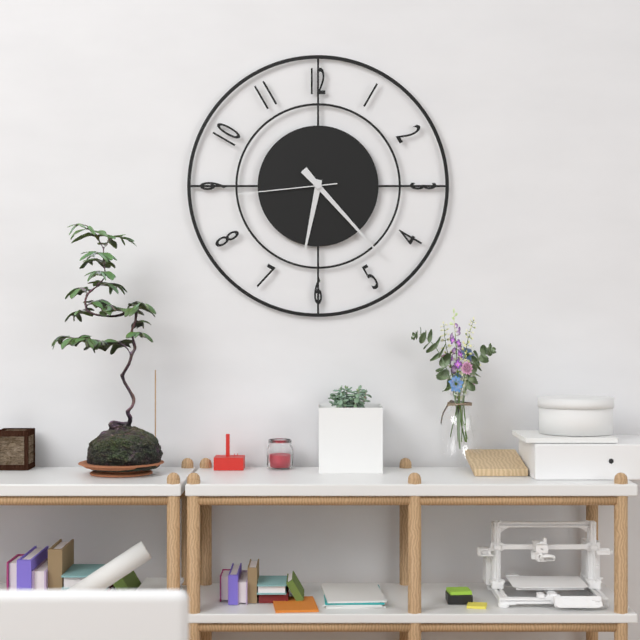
6.23.44
